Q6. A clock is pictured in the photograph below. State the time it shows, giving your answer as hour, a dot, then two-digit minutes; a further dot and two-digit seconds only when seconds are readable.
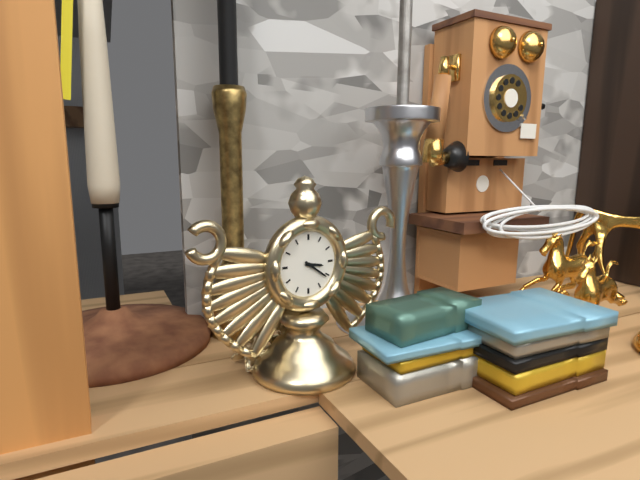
3.21
